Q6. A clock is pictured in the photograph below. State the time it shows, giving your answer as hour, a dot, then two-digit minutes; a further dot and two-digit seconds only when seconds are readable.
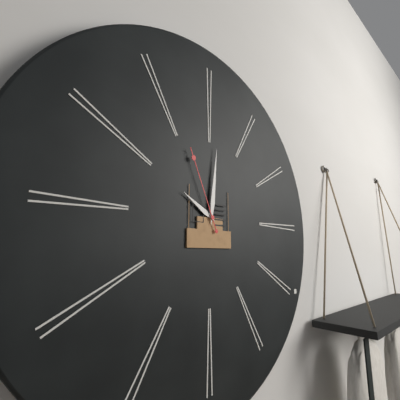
10.01.56
